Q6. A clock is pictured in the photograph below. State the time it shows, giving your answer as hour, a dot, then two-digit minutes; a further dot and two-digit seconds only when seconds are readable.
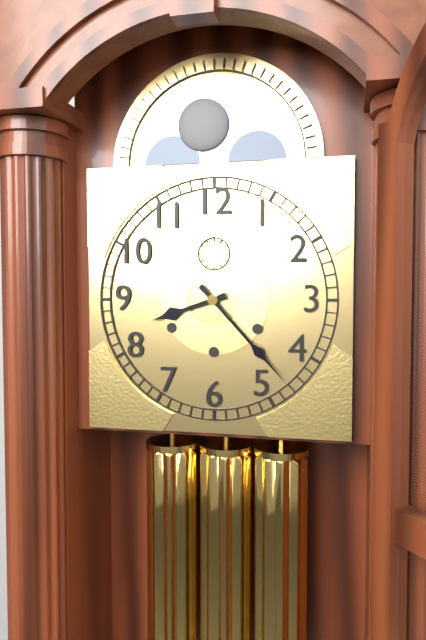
8.23
